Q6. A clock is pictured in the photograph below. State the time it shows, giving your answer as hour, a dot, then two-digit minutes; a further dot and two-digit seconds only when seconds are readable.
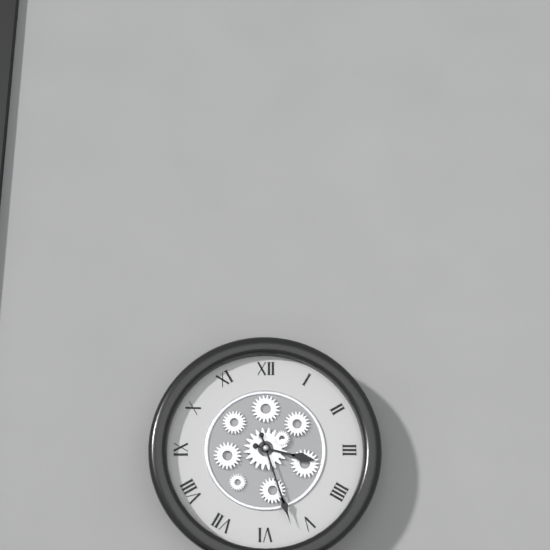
3.27
